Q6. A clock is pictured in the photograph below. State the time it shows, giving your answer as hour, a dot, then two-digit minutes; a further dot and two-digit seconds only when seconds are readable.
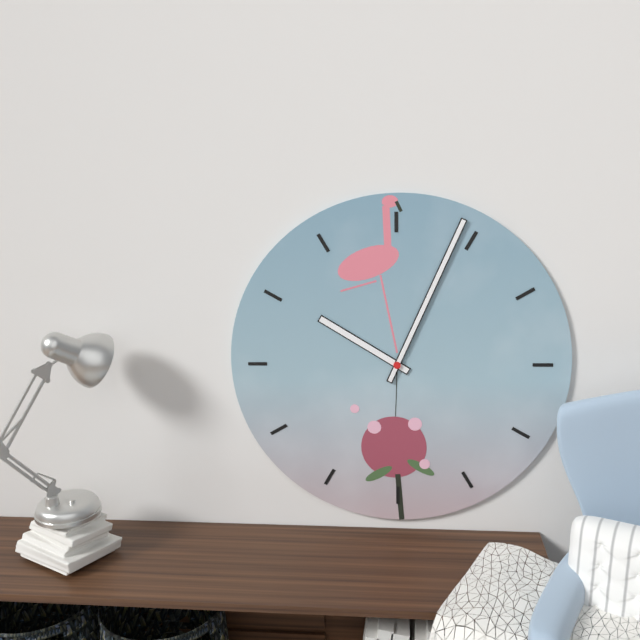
10.04
